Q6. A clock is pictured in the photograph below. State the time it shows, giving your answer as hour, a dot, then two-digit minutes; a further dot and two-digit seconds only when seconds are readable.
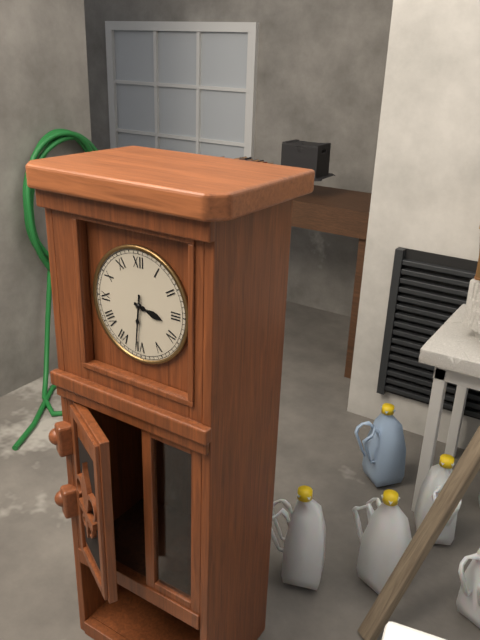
3.31
